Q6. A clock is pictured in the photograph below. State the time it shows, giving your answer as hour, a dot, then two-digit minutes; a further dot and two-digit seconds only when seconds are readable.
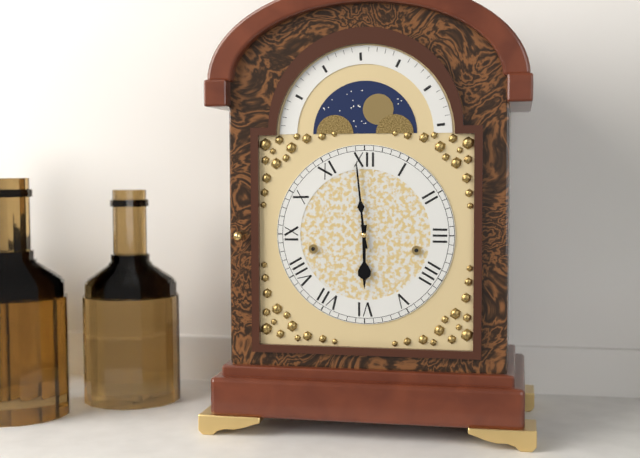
5.59
